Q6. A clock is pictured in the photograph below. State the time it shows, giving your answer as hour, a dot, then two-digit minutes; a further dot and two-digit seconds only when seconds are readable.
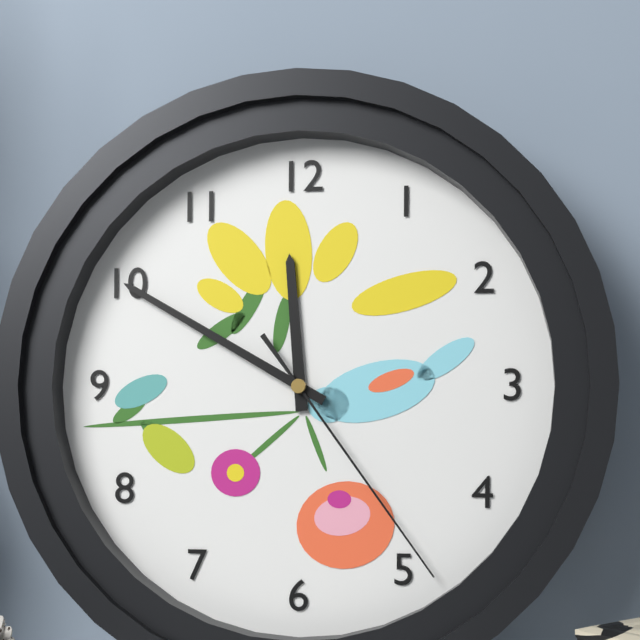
11.50.24
